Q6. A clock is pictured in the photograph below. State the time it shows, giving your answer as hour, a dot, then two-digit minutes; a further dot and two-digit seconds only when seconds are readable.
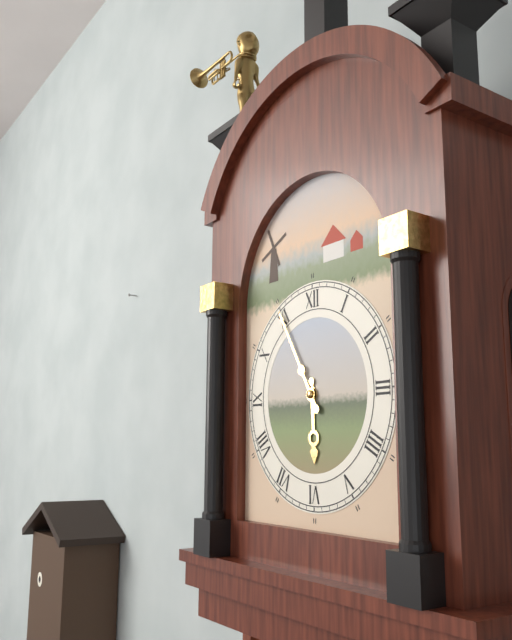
5.55
